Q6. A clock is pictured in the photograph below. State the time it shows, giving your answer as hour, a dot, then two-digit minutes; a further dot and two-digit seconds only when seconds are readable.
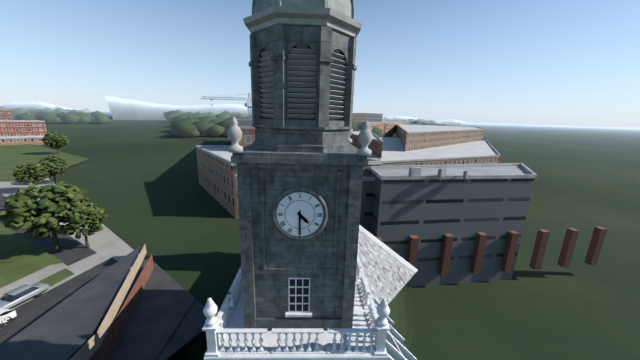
4.30
